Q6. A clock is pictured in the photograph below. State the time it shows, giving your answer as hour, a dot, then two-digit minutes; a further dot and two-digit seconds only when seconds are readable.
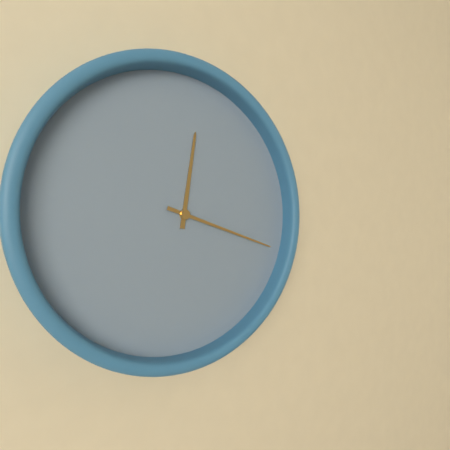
12.18
